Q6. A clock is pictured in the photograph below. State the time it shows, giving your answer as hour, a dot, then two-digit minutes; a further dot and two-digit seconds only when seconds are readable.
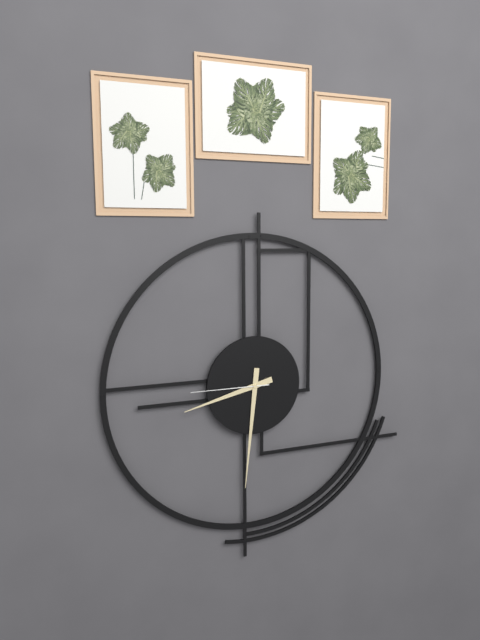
8.31.45
